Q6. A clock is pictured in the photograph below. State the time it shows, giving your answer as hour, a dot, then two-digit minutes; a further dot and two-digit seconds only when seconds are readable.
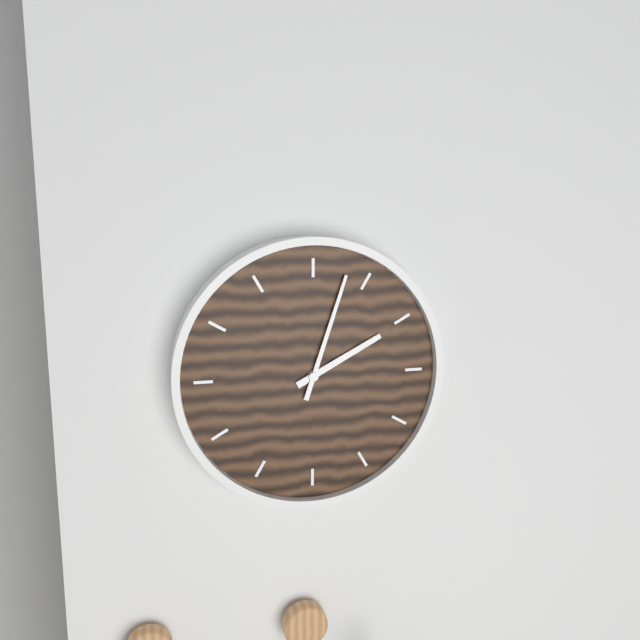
2.03
